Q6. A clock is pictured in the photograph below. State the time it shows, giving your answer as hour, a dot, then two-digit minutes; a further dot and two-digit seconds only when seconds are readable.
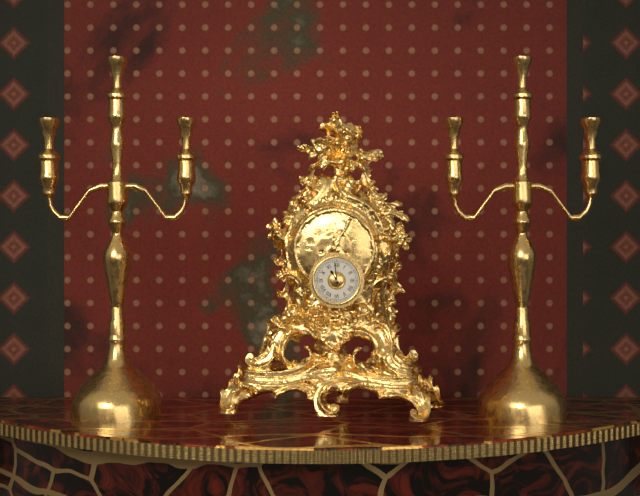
10.59
